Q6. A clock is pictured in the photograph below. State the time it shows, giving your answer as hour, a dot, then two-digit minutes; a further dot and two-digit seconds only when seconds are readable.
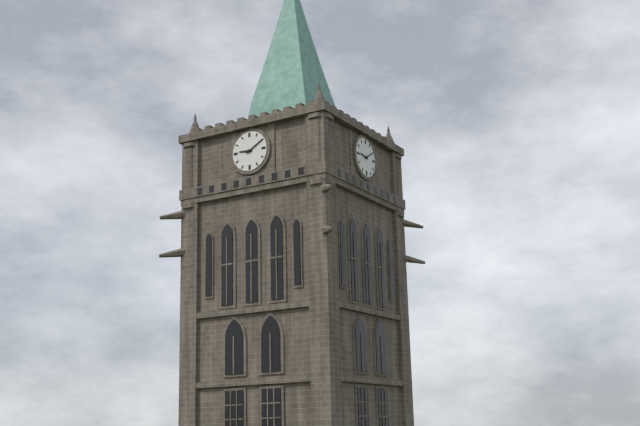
9.10
